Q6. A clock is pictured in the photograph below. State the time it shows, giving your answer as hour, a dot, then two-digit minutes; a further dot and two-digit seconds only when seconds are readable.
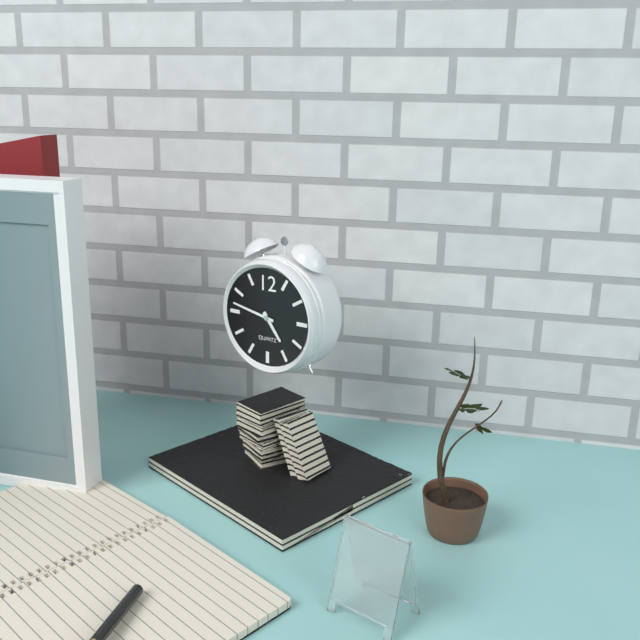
4.47
